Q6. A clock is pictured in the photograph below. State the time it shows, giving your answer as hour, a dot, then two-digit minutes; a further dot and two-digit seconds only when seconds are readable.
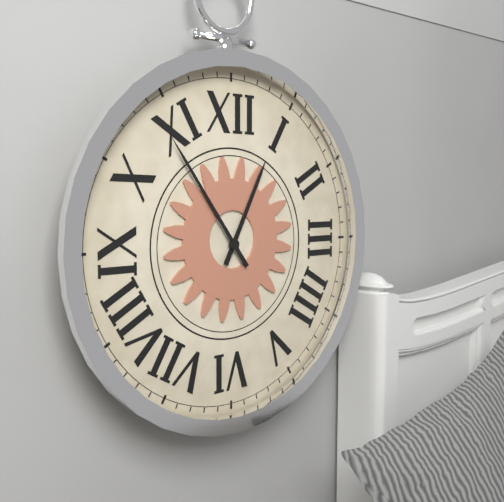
12.54
